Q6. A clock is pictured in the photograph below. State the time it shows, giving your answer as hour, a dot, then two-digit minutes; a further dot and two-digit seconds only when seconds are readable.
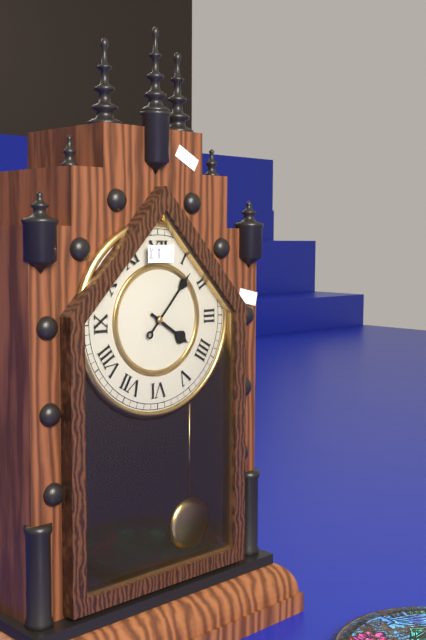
4.07
